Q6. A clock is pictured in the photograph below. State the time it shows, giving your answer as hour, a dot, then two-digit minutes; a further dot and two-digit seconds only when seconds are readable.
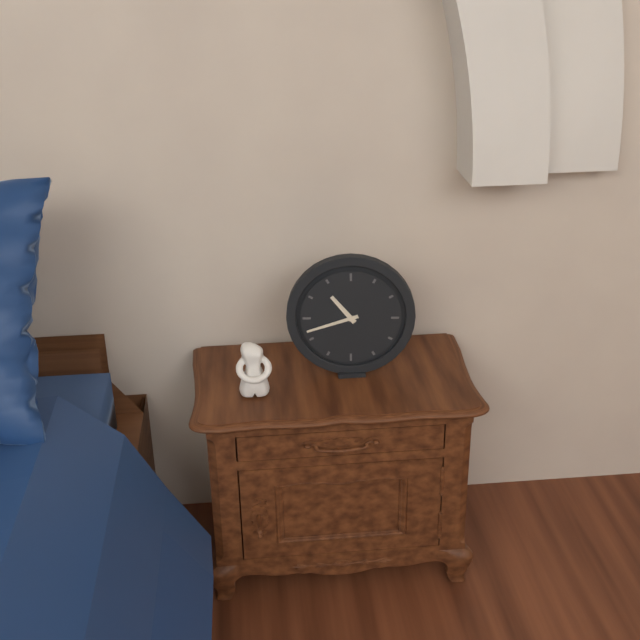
10.42
